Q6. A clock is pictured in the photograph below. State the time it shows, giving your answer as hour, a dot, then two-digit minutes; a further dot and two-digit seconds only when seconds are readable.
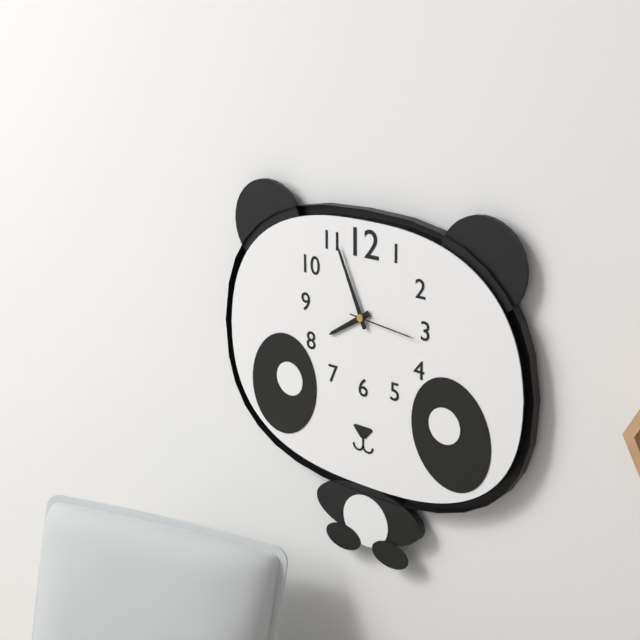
7.56.16
